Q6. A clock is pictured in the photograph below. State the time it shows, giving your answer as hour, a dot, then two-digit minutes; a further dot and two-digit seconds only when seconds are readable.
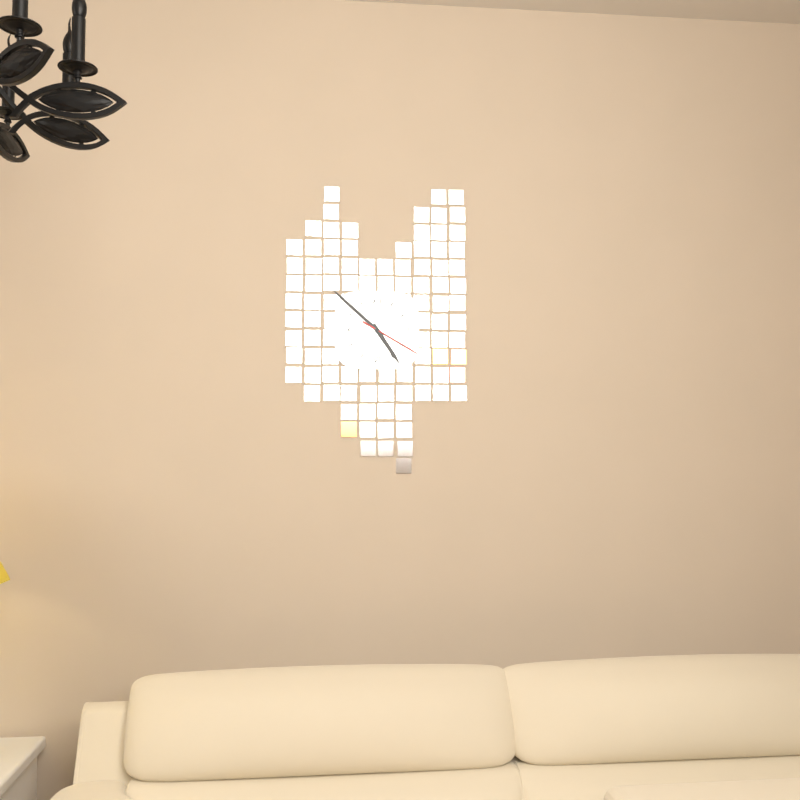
4.52.20
